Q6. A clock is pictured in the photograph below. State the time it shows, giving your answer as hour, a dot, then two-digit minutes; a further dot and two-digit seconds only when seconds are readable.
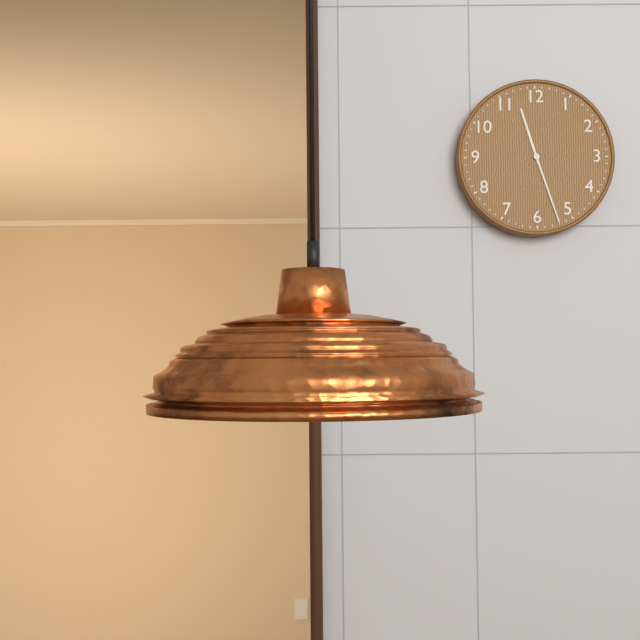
11.27
